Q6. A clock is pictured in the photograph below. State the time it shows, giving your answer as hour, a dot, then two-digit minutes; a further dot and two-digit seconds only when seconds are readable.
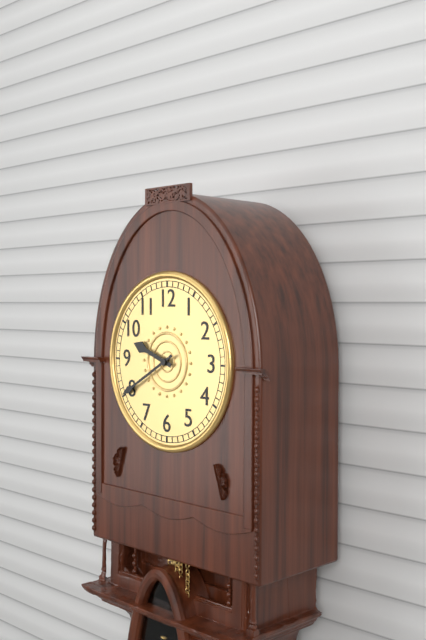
9.40
